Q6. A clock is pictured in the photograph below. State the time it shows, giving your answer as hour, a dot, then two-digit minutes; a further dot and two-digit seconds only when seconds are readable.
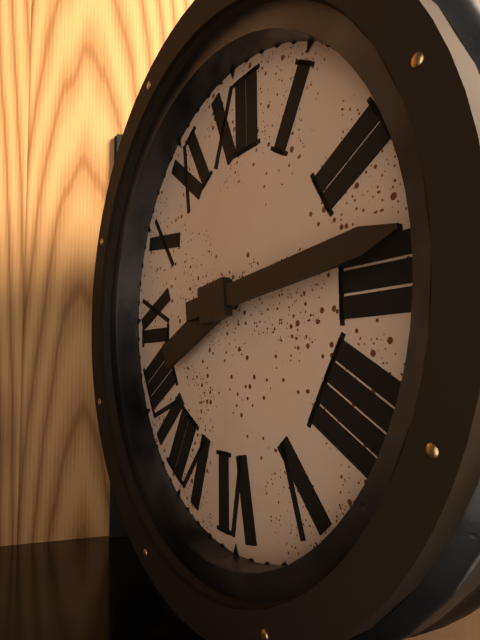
8.14
